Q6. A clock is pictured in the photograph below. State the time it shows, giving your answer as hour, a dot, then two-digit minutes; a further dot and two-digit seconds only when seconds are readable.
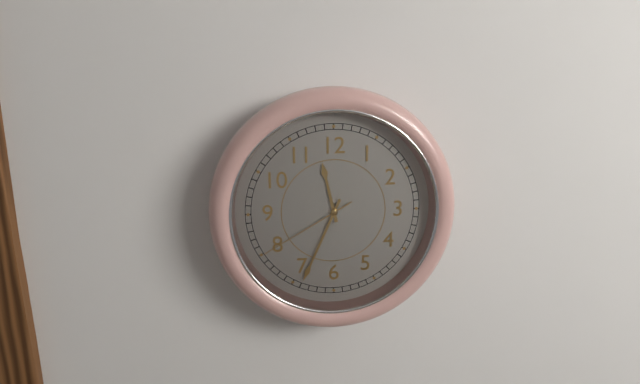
11.34.40
